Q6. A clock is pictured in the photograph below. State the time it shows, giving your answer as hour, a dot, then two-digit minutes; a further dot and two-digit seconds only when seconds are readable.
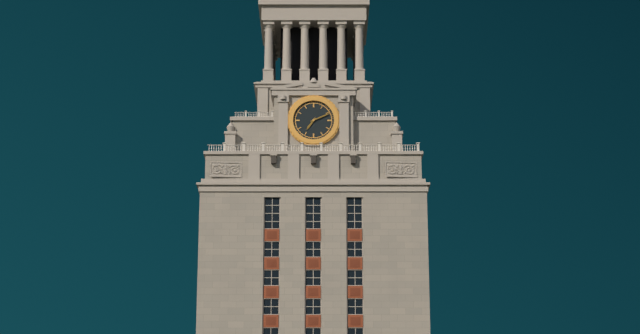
7.11
